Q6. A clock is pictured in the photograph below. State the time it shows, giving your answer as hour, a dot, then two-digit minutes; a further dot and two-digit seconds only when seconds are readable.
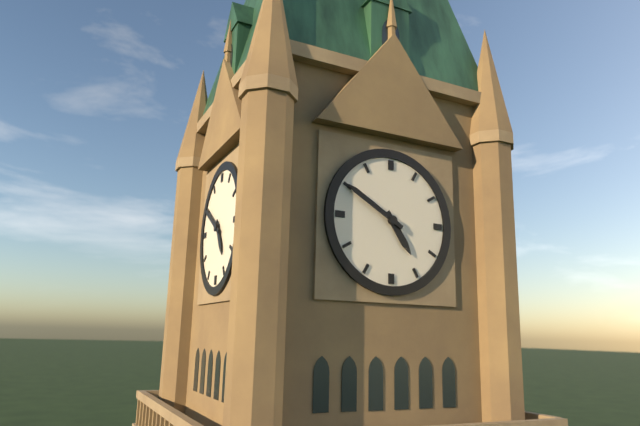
4.50
